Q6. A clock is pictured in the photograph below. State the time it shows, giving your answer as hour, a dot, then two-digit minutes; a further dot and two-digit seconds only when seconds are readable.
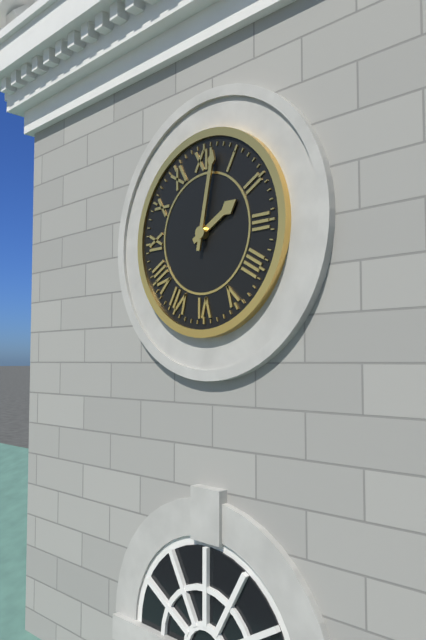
2.02
